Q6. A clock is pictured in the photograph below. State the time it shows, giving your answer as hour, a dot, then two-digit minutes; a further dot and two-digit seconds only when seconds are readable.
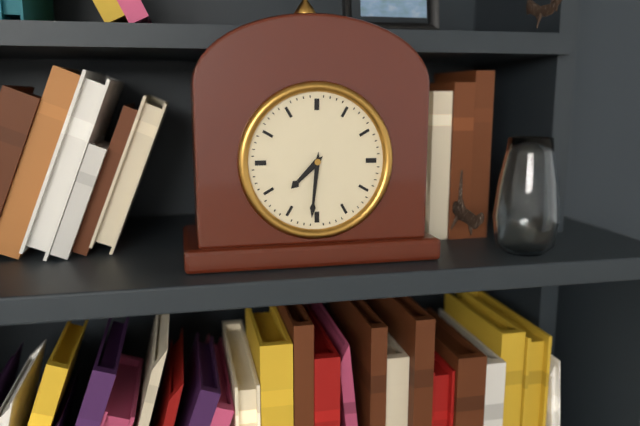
7.31
